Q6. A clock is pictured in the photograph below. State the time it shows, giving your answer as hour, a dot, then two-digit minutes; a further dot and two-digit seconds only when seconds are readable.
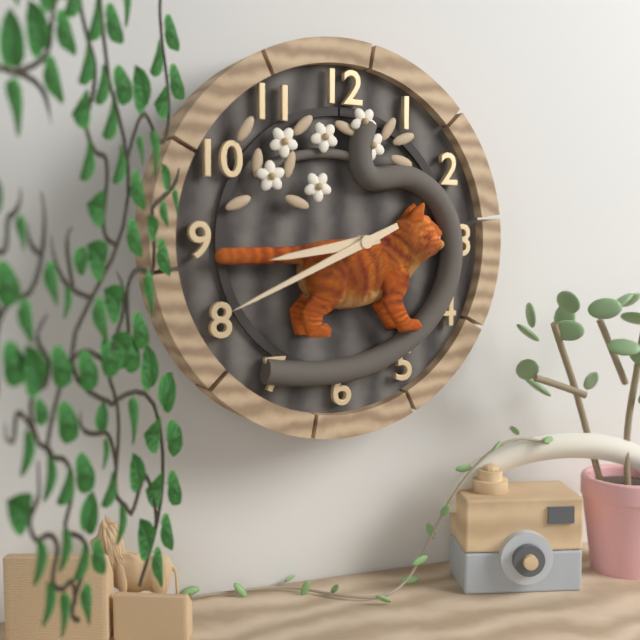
8.41
